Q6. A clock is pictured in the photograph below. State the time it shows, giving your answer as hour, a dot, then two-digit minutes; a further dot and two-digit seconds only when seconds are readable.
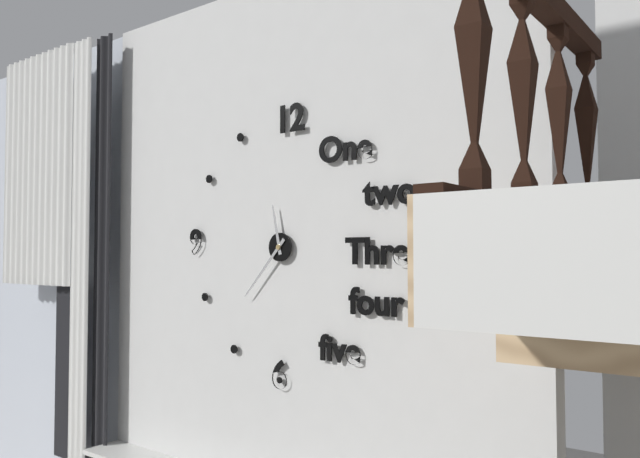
11.37
